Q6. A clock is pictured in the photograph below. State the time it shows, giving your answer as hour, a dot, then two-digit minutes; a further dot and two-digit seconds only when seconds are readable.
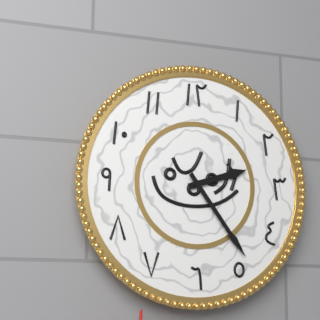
2.24
